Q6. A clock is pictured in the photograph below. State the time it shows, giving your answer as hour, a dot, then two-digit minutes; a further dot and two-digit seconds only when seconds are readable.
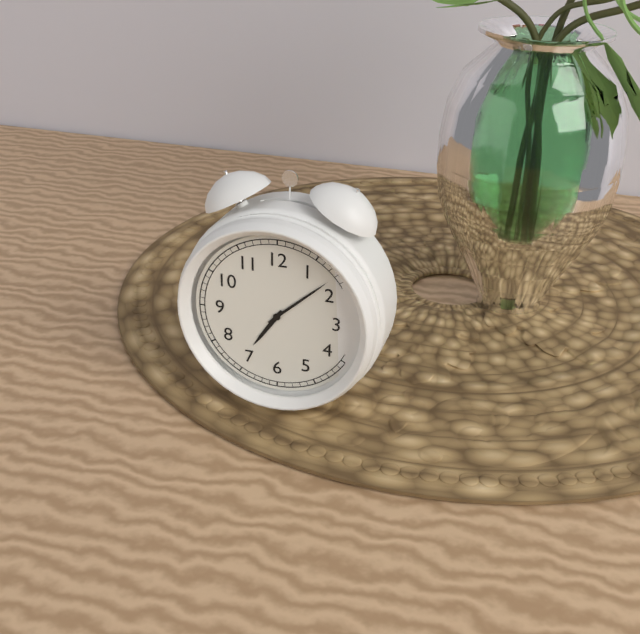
7.08
